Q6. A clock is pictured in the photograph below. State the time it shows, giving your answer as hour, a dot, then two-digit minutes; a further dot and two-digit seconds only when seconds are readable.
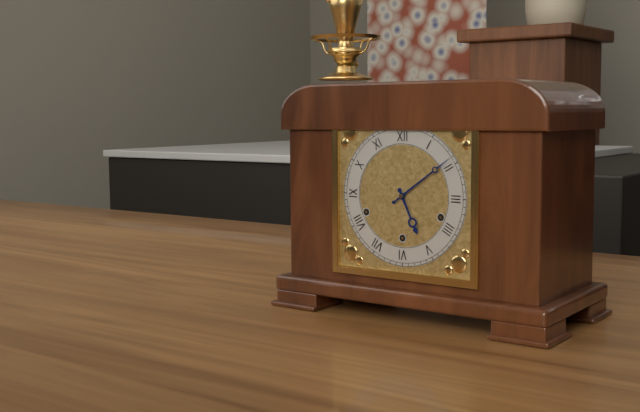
5.09
